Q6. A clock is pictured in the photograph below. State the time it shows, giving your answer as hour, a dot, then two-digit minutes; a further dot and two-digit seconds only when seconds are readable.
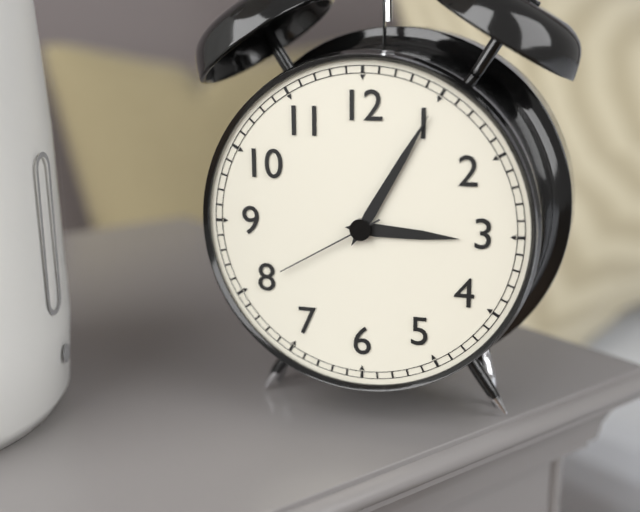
3.05.40
